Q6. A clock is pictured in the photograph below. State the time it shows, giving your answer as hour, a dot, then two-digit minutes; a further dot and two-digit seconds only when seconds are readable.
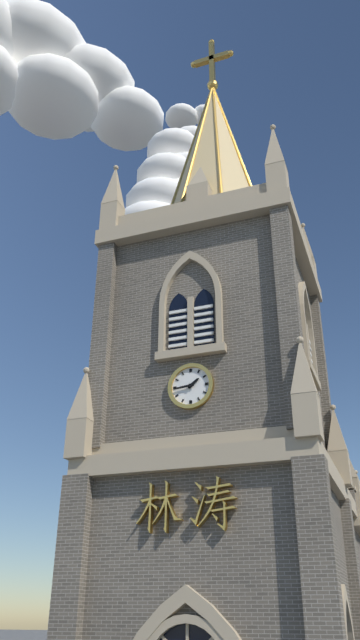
1.44
